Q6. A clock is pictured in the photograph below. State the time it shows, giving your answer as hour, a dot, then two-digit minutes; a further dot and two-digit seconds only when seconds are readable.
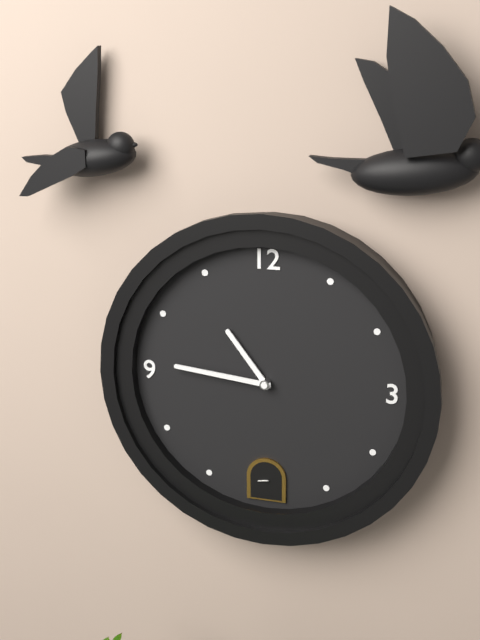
10.46
